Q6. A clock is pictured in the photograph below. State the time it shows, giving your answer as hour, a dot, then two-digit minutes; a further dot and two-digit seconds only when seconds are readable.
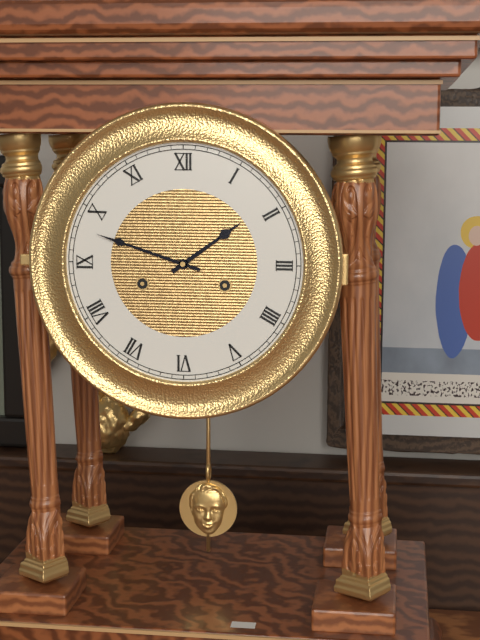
1.48
